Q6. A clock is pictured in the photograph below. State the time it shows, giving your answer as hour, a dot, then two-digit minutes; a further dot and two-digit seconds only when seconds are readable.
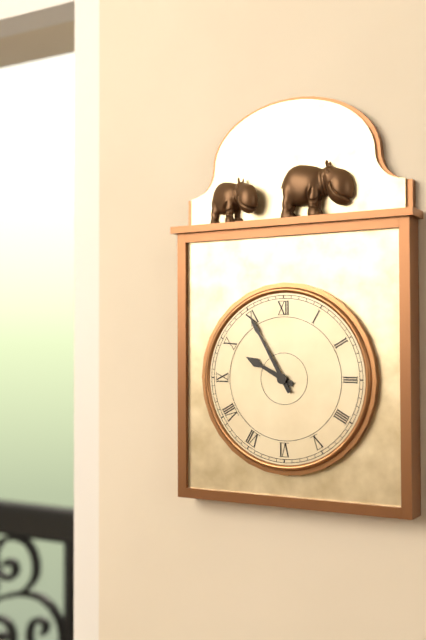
9.55
